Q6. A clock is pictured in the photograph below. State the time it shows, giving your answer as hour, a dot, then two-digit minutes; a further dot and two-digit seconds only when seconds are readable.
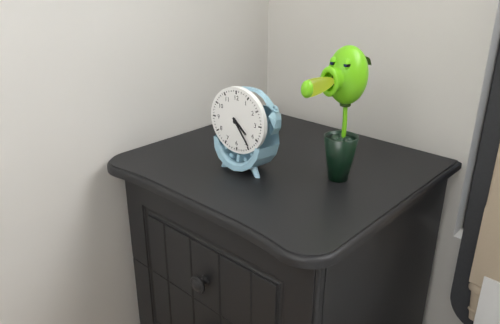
4.24
